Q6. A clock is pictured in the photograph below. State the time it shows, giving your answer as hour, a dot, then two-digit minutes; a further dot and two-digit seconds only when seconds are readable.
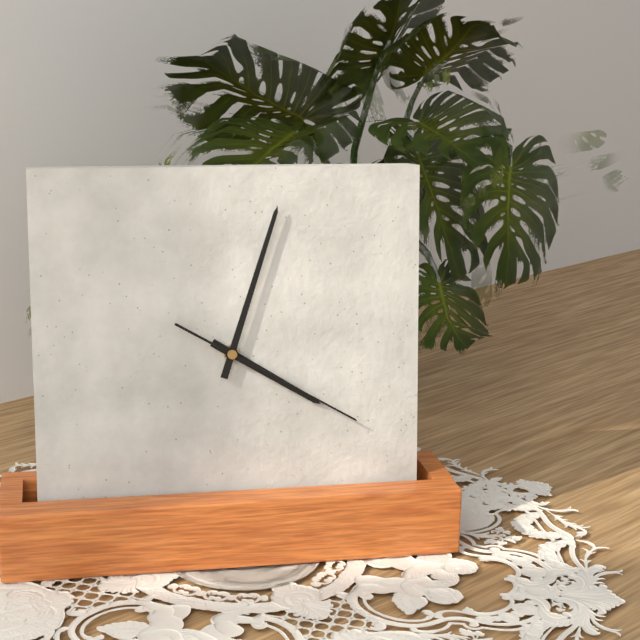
4.03.20
